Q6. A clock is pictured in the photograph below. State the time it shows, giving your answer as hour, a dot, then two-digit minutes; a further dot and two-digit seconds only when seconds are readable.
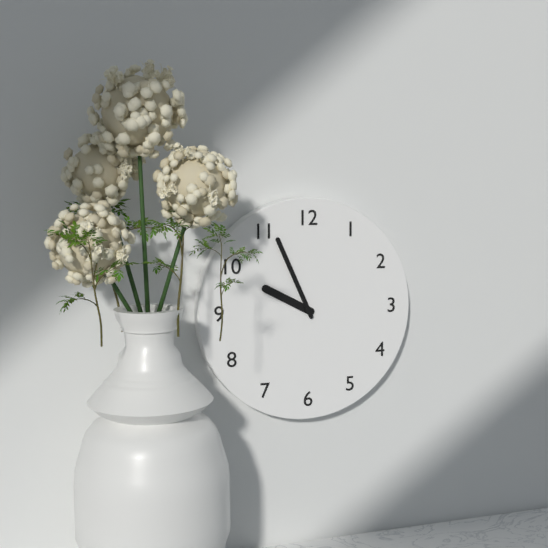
9.56
